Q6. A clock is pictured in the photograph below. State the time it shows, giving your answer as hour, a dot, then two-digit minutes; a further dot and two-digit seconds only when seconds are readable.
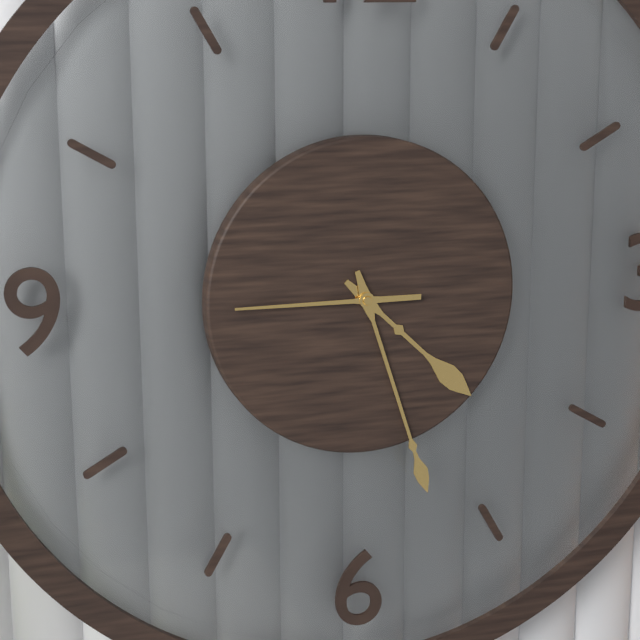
4.27.45
